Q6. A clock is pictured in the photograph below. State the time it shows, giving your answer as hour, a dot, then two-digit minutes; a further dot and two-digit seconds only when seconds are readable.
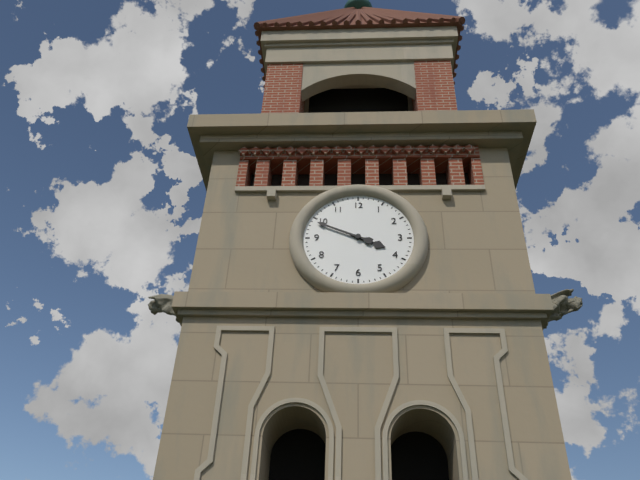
3.49
